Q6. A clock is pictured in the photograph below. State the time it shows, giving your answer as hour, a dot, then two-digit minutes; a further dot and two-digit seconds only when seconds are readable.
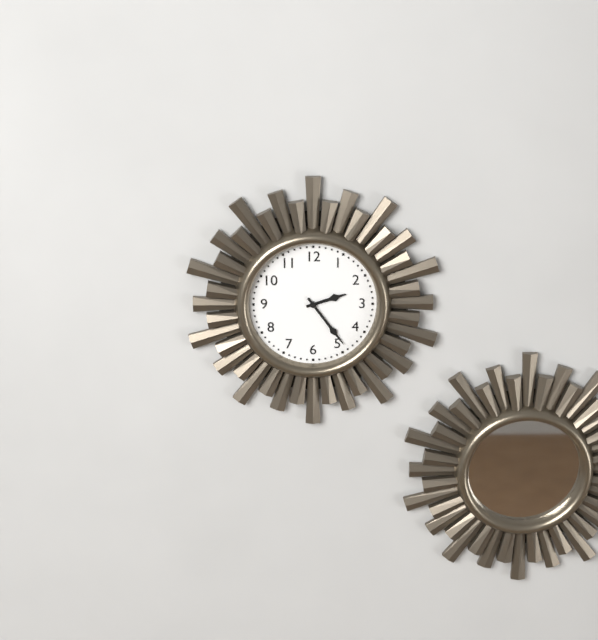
2.24
